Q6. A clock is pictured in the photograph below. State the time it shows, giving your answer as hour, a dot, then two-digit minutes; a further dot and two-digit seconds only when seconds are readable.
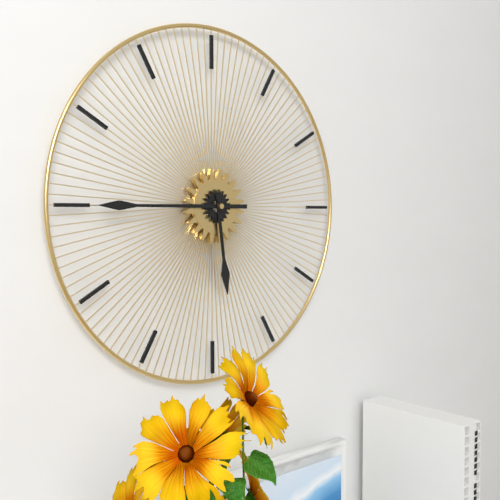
5.45
